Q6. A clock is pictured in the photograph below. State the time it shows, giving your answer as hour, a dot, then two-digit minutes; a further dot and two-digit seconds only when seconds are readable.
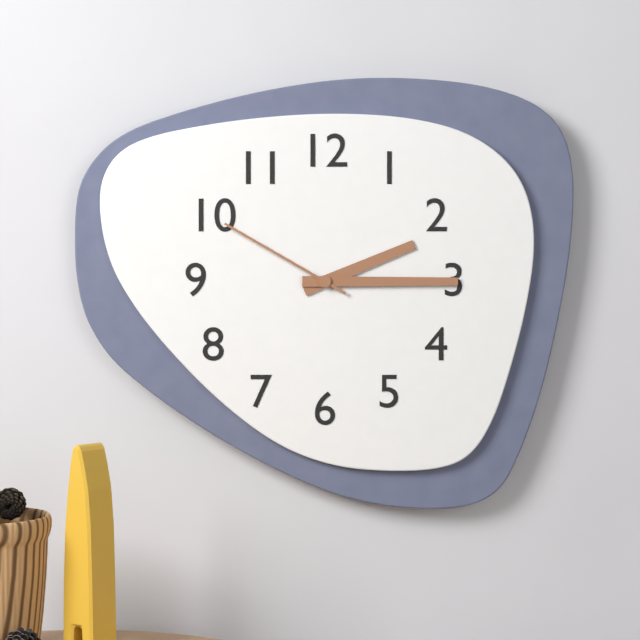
2.15.50
